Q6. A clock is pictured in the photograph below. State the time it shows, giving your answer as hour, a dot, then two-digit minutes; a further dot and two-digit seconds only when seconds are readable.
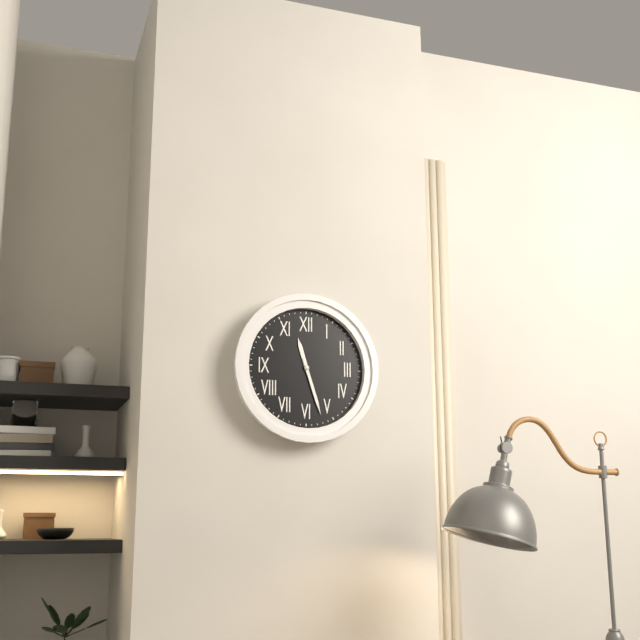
11.27
